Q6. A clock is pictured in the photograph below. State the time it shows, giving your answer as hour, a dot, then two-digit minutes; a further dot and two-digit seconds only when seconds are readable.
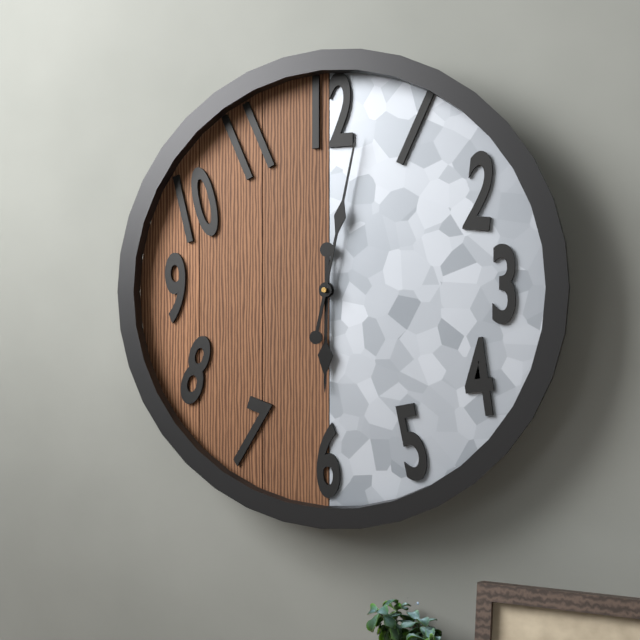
6.02
